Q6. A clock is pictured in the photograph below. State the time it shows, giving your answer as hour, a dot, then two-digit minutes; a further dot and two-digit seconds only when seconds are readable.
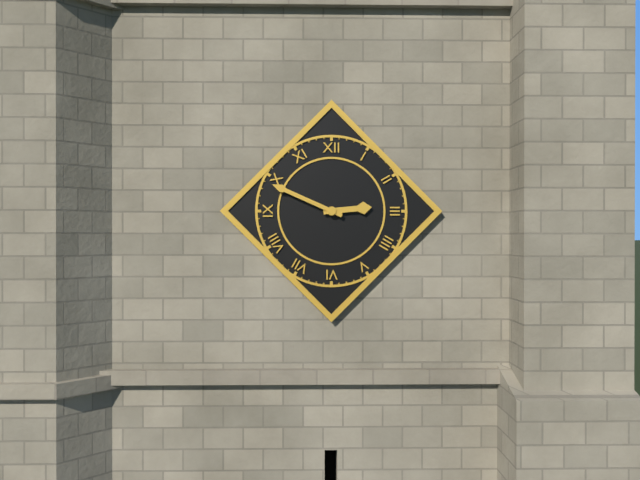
2.49
